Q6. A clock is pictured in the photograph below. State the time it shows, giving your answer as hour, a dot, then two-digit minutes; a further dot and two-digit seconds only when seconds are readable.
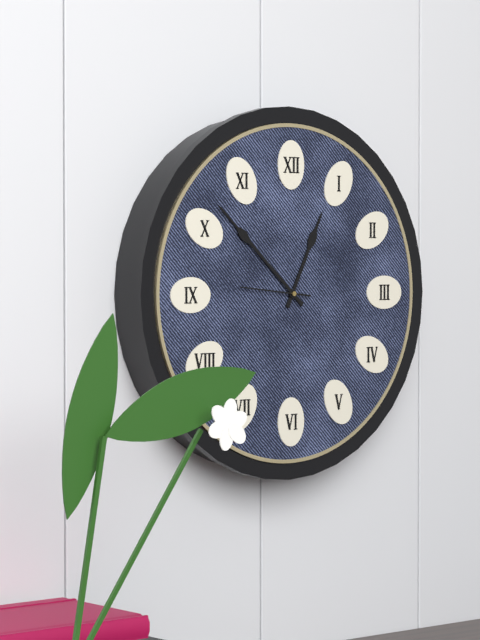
12.52.46
